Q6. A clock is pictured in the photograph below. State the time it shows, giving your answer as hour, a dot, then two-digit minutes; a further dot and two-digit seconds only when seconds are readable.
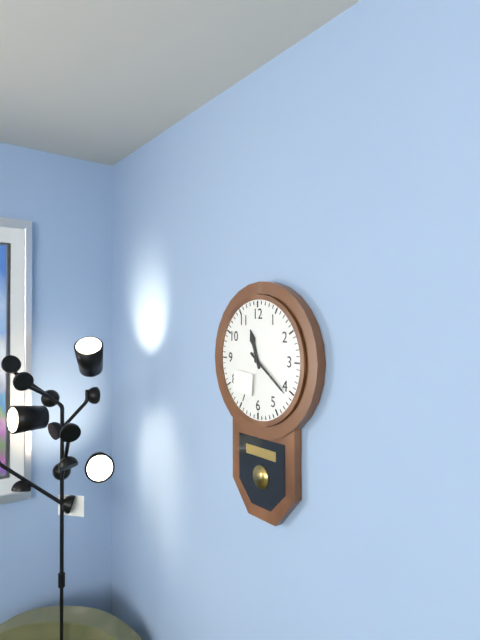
11.21
